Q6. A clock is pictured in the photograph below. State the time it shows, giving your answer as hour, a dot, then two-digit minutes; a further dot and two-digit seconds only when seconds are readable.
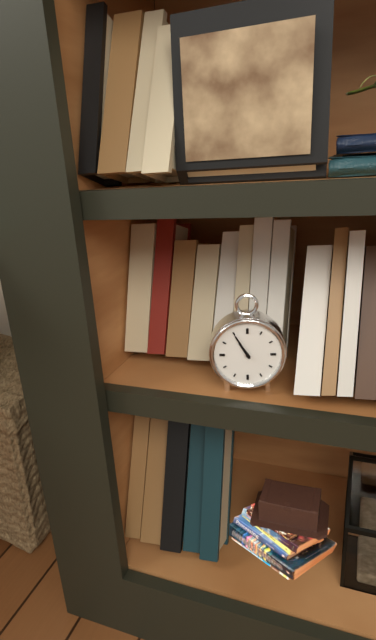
10.55
